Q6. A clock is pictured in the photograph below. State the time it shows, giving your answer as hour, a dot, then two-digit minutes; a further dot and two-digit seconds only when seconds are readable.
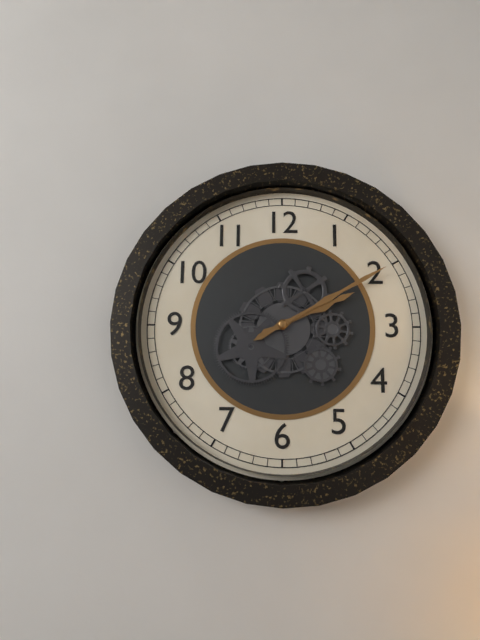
2.10
